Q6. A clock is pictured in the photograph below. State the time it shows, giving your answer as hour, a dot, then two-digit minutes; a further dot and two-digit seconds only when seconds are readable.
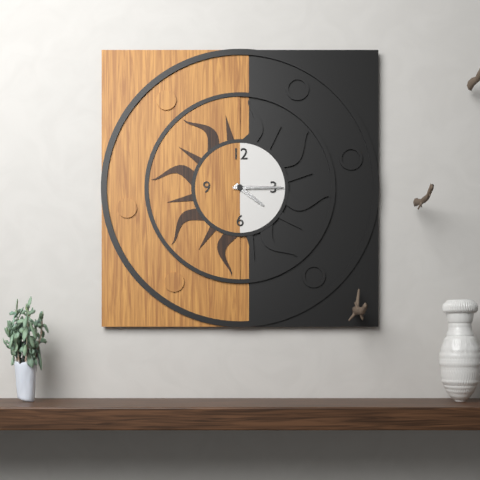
4.15
